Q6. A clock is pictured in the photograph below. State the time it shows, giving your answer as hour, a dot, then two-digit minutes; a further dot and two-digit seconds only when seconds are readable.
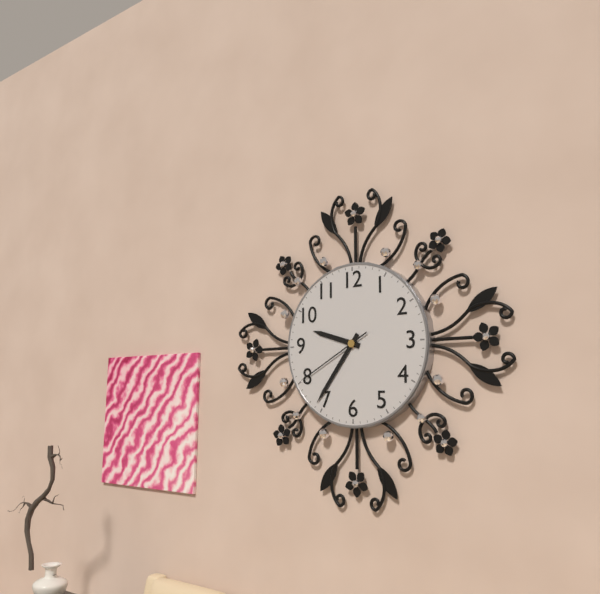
9.36.40
